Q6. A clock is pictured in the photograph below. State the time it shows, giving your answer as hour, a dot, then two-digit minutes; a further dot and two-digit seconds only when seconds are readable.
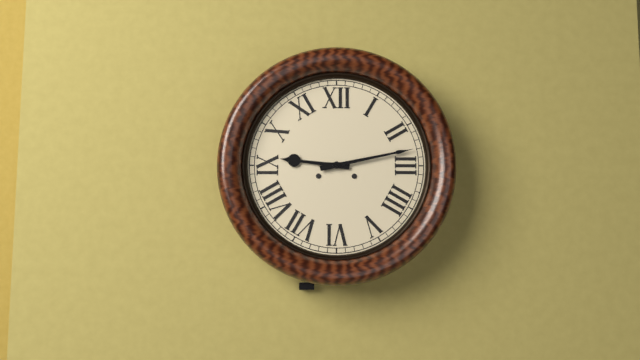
9.13
